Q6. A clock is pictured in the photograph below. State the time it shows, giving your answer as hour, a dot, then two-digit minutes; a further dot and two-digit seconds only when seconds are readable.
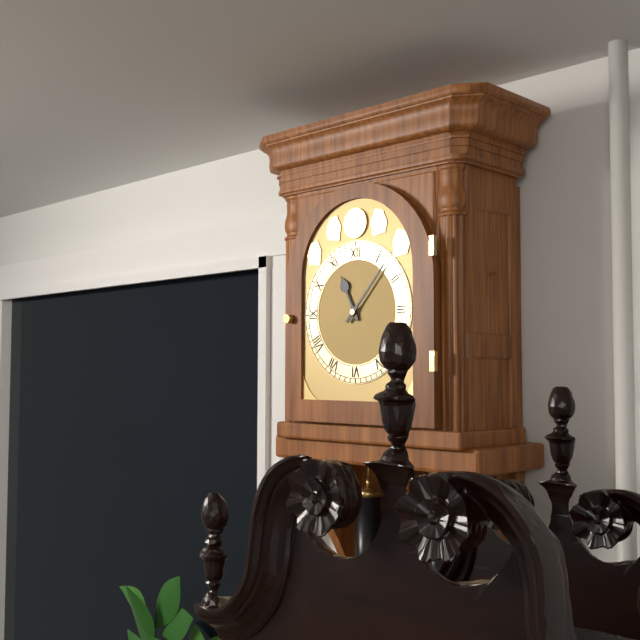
11.07
